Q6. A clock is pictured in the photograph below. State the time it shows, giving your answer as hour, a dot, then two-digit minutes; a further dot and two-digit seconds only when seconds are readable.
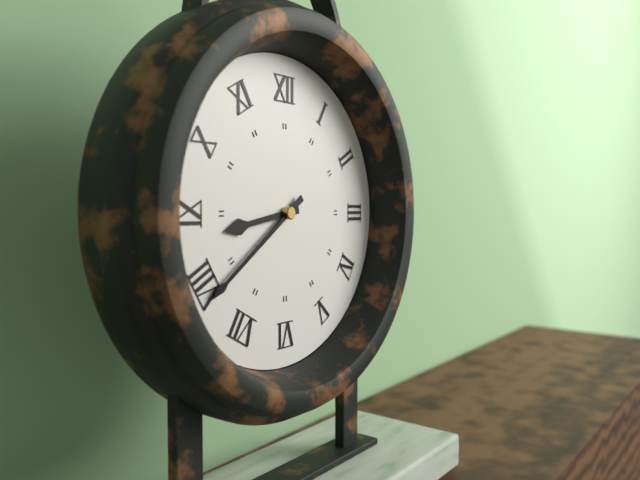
8.39
